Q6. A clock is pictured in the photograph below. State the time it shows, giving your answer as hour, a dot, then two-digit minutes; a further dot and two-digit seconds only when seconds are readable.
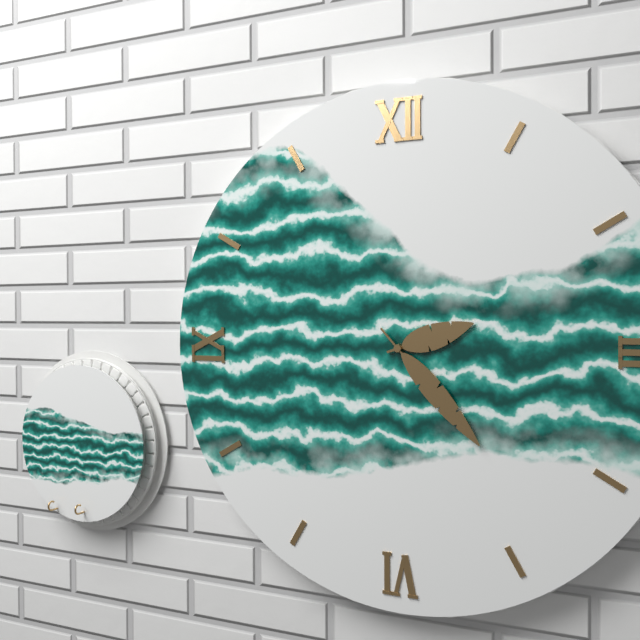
2.23
